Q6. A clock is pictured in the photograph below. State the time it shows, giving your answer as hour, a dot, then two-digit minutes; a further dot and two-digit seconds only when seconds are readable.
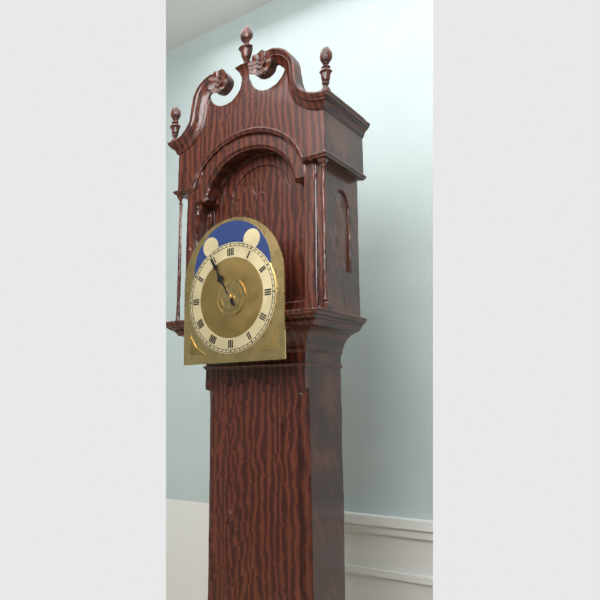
10.55
